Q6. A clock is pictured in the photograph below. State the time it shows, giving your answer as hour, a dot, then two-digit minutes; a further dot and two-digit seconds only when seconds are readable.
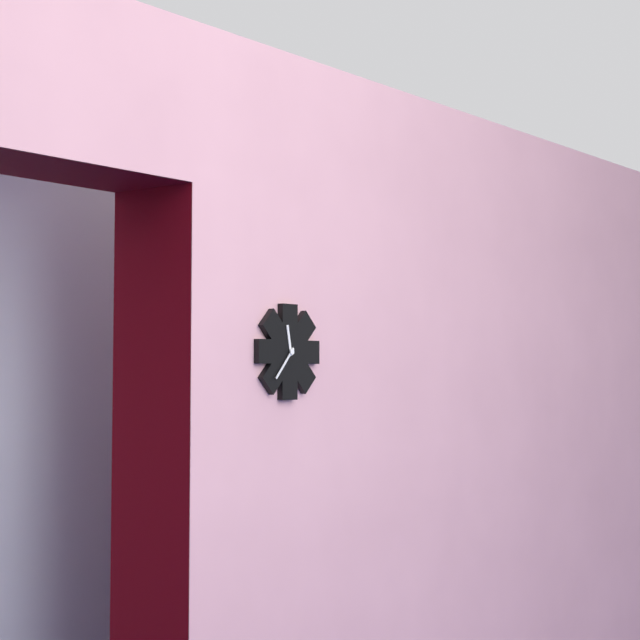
11.37
